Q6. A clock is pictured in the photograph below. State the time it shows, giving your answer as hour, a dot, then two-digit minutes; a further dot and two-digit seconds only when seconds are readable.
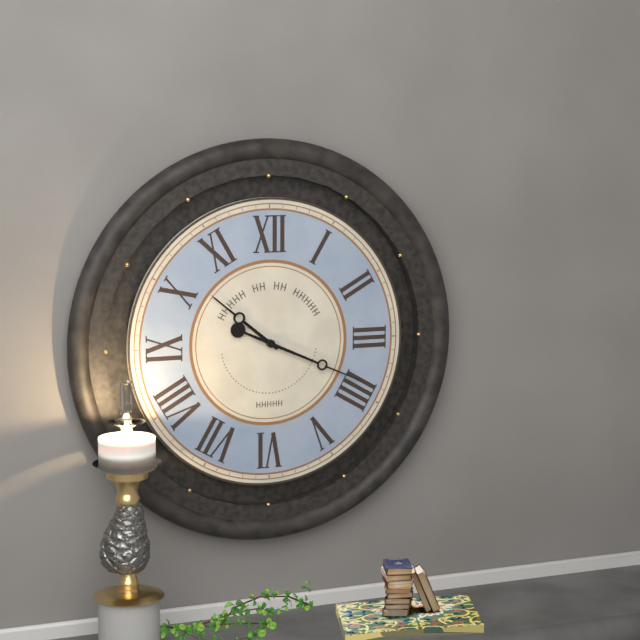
10.19
